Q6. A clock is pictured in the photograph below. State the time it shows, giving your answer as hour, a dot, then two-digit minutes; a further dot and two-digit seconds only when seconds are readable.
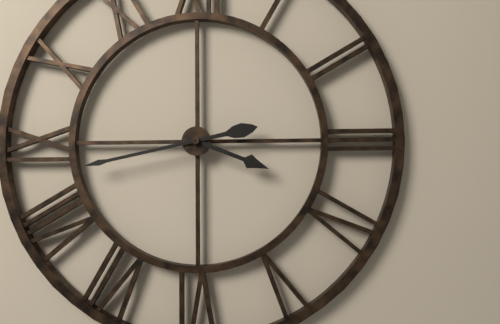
3.43
